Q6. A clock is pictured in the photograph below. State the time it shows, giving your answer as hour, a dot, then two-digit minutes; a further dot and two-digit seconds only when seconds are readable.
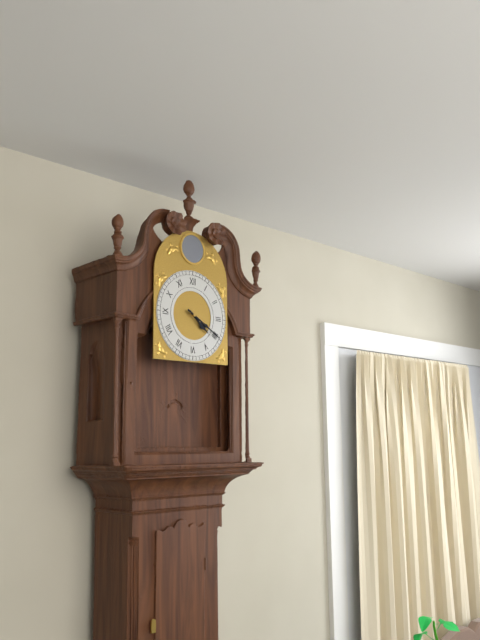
4.20
